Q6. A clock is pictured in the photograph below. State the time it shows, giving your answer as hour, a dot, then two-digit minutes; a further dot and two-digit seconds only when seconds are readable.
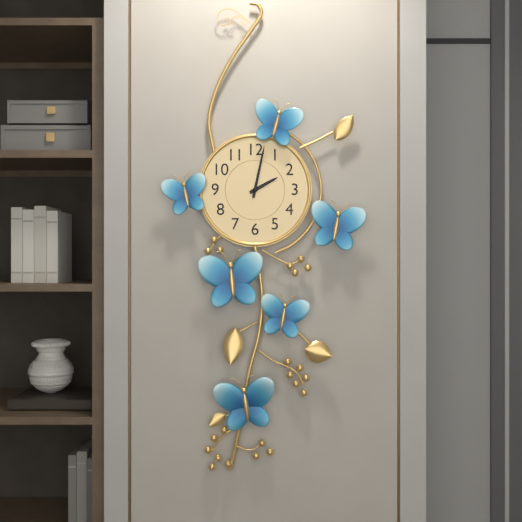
2.02
